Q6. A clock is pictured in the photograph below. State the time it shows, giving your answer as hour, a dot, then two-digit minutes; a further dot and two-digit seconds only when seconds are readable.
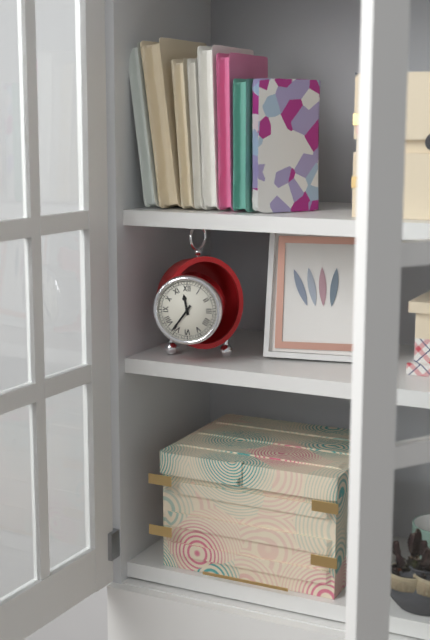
11.36
